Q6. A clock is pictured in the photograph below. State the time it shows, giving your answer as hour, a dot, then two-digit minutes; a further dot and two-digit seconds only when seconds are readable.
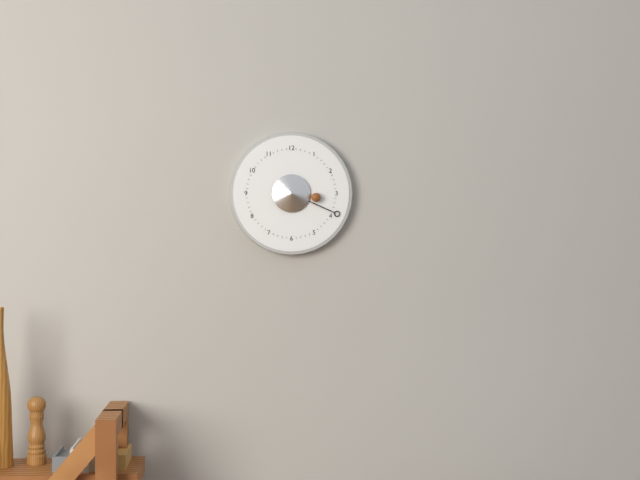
3.19
